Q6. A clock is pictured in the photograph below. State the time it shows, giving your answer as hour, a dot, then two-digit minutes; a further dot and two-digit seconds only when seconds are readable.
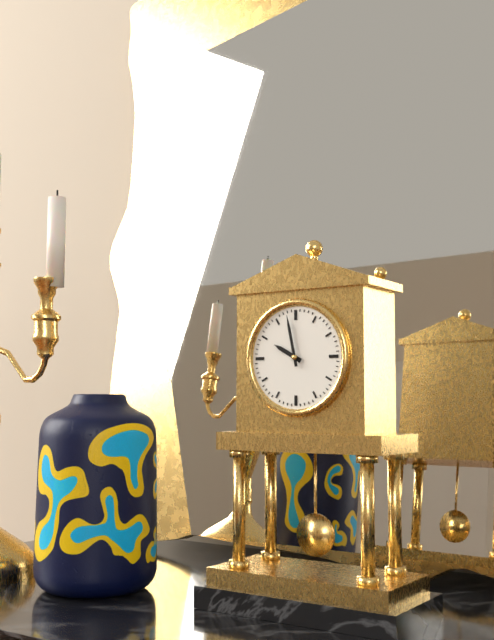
9.58
